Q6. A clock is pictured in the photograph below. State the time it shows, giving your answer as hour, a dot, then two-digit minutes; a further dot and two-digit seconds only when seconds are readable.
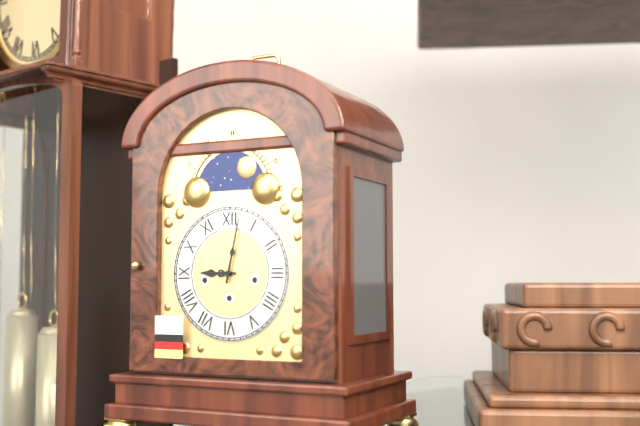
9.02
